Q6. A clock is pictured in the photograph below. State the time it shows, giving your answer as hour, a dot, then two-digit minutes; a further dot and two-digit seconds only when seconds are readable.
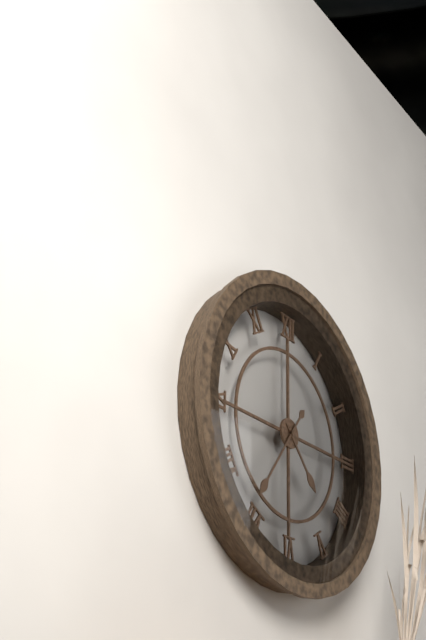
4.36
